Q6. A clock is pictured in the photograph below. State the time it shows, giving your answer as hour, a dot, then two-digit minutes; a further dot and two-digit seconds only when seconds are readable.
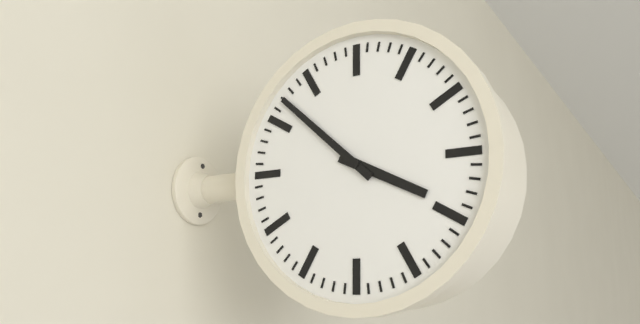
3.52
